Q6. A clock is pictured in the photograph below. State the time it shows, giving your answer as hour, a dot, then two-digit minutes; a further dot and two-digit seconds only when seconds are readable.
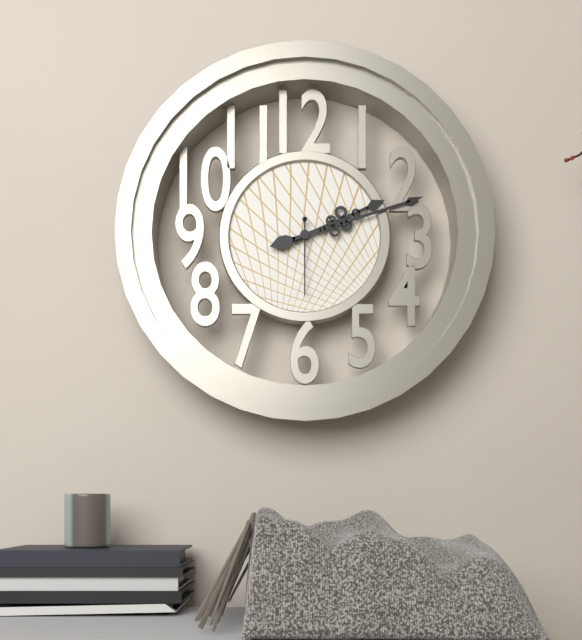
2.12.30
